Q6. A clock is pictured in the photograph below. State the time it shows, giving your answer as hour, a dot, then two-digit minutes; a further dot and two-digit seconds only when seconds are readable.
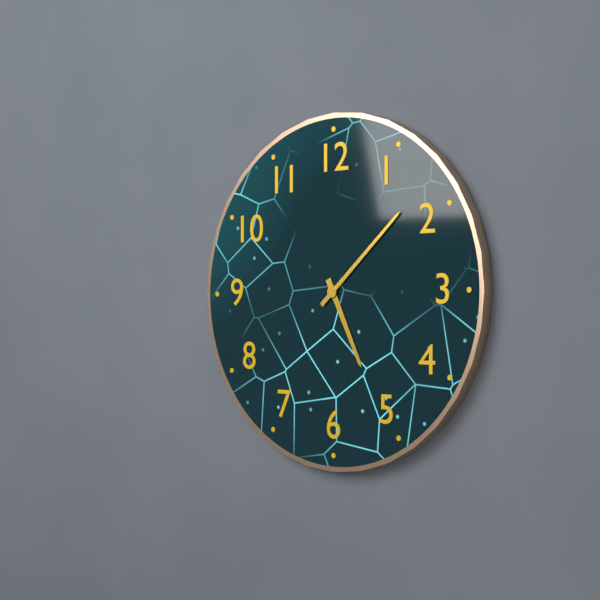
5.08
